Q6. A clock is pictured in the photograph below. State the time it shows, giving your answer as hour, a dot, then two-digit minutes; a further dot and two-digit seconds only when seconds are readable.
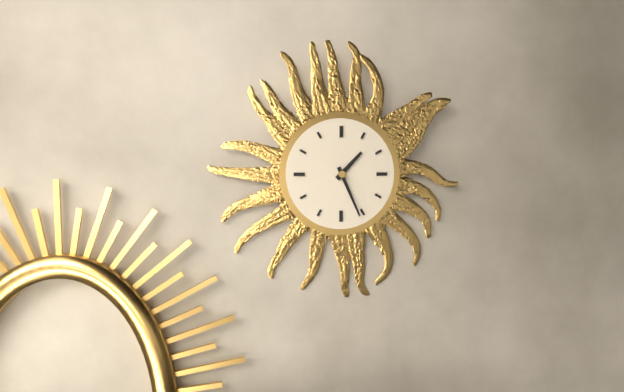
1.26
